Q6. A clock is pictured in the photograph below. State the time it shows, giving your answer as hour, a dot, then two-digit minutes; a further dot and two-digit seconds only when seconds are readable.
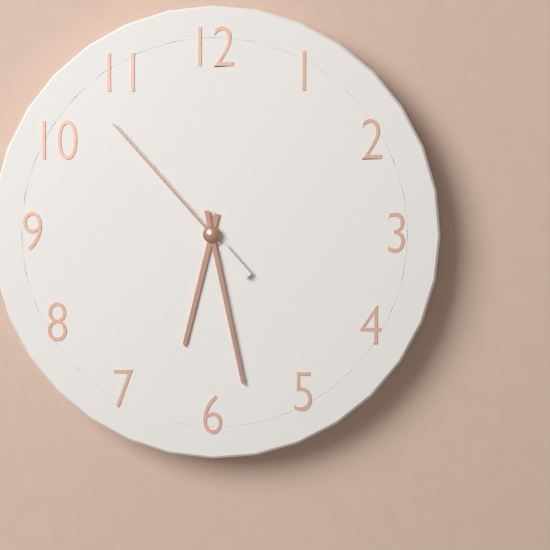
6.28.53
